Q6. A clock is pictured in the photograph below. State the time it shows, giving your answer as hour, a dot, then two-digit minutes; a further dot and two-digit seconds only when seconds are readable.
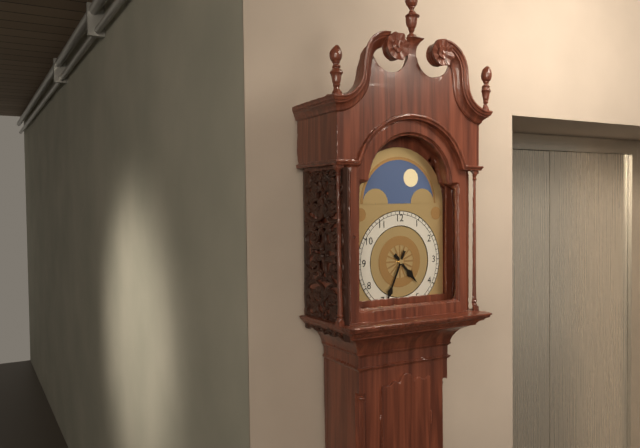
4.34
